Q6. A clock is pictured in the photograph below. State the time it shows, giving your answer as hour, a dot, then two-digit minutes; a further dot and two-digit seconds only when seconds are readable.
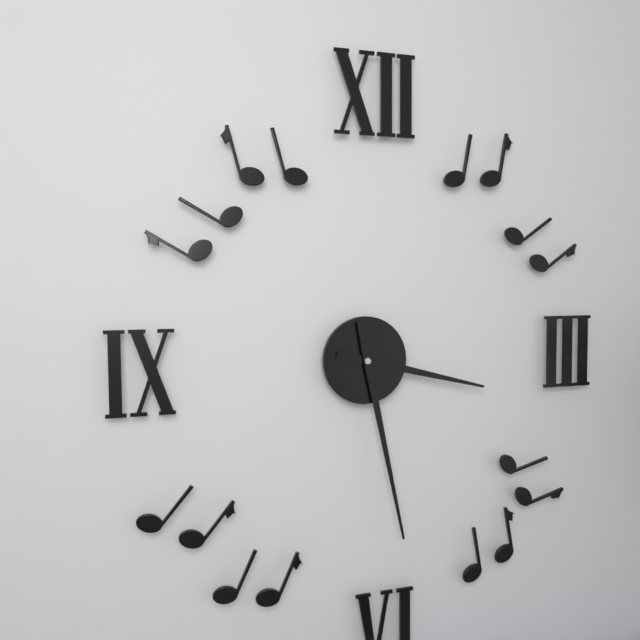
3.28
